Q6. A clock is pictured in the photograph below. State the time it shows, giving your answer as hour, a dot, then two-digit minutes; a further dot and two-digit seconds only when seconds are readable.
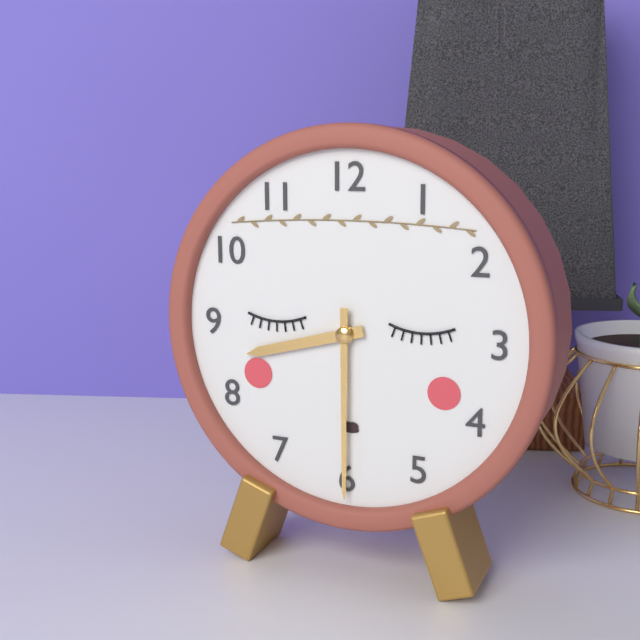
8.30
